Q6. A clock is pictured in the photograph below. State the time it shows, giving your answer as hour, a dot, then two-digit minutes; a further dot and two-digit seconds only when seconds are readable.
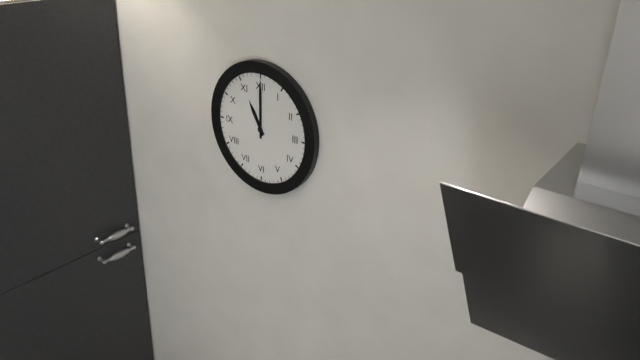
11.00
